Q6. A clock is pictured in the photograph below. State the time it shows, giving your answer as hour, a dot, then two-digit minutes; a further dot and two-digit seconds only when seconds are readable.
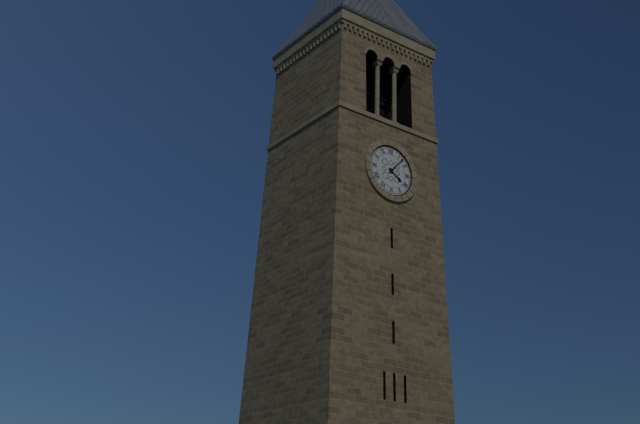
4.07
